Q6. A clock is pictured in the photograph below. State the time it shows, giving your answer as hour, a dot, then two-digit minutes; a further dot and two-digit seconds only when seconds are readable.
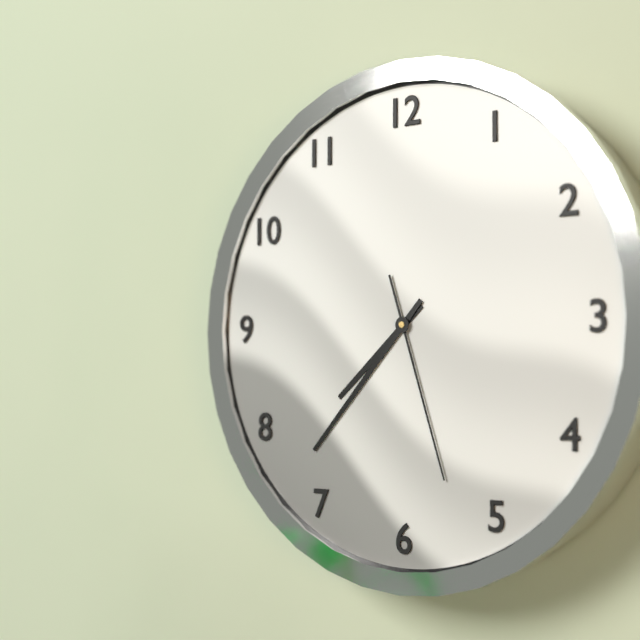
7.37.27
